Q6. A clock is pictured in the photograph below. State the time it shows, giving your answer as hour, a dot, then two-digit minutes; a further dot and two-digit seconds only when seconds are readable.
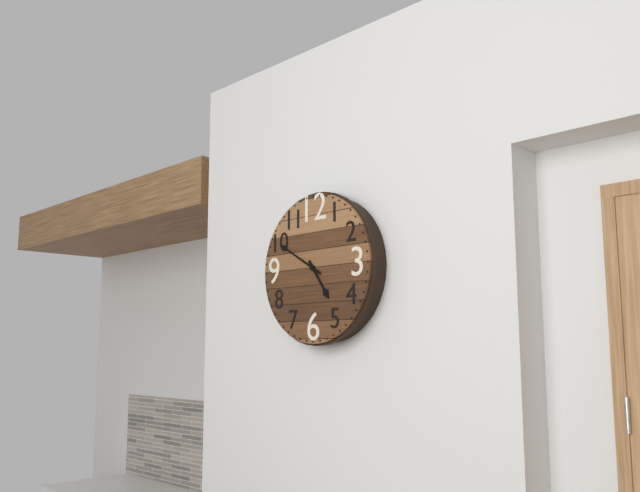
4.50
